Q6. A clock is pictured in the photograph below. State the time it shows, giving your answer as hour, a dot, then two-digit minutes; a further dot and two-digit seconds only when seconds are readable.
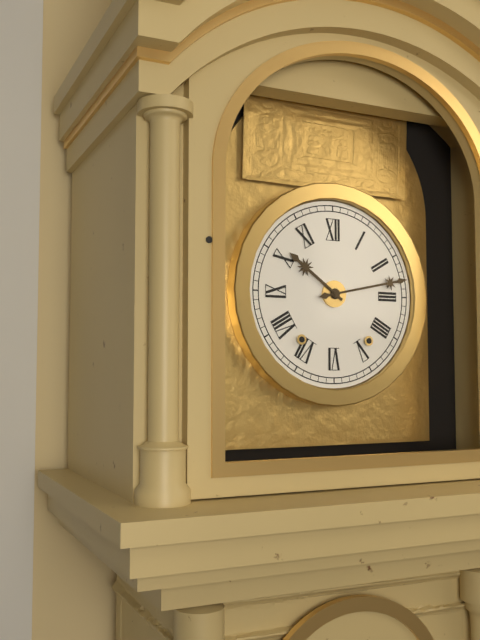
10.13
